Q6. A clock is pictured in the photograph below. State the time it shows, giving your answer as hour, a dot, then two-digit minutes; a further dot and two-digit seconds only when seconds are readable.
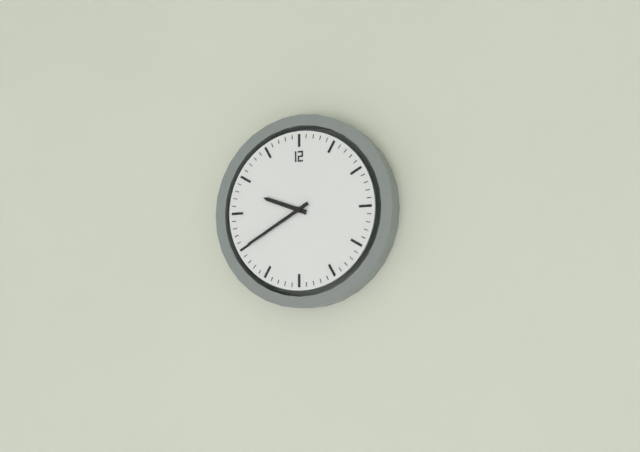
9.40
